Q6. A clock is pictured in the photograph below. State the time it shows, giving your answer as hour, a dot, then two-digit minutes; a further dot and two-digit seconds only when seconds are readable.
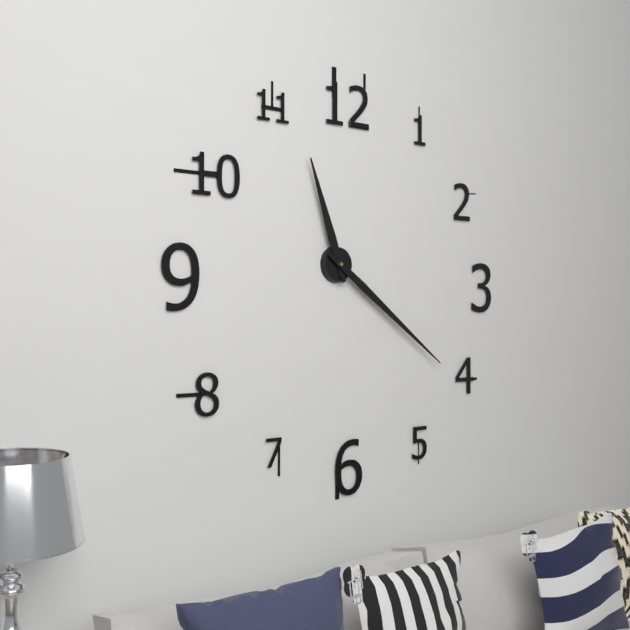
11.21
